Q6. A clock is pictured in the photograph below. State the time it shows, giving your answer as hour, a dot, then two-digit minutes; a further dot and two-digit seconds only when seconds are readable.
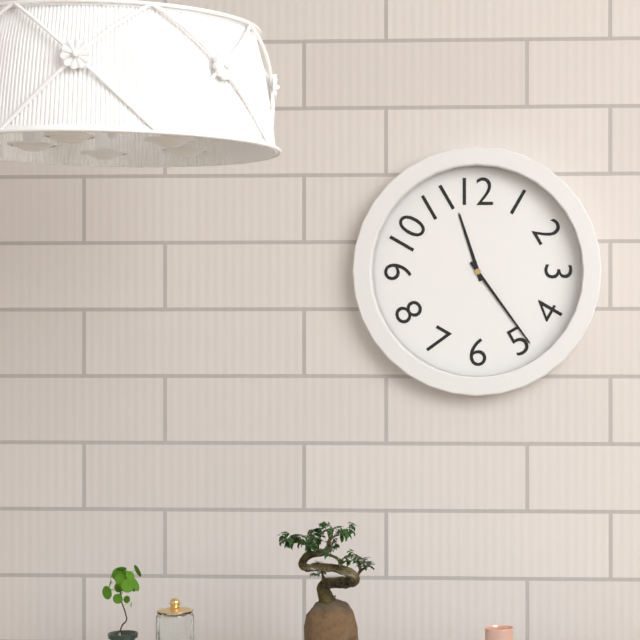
11.24
